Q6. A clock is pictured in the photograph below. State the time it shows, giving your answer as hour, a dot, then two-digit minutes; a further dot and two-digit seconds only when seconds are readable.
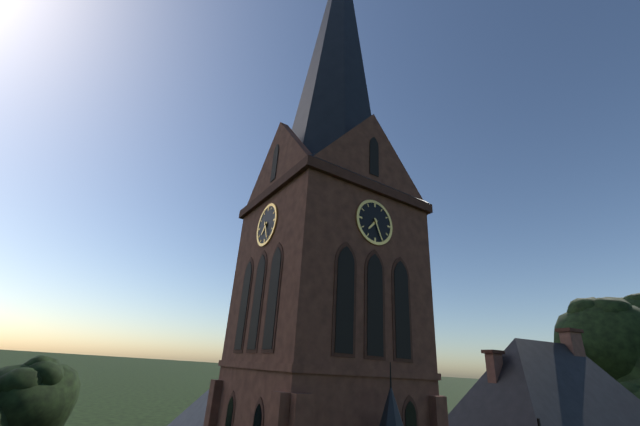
7.26
